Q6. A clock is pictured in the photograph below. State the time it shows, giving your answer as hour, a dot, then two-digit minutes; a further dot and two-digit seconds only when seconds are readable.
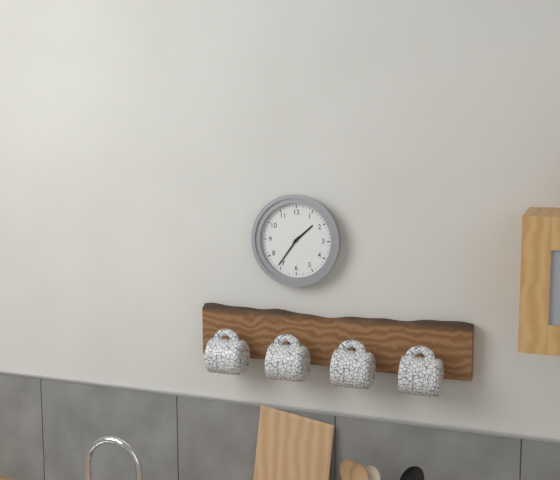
1.36
